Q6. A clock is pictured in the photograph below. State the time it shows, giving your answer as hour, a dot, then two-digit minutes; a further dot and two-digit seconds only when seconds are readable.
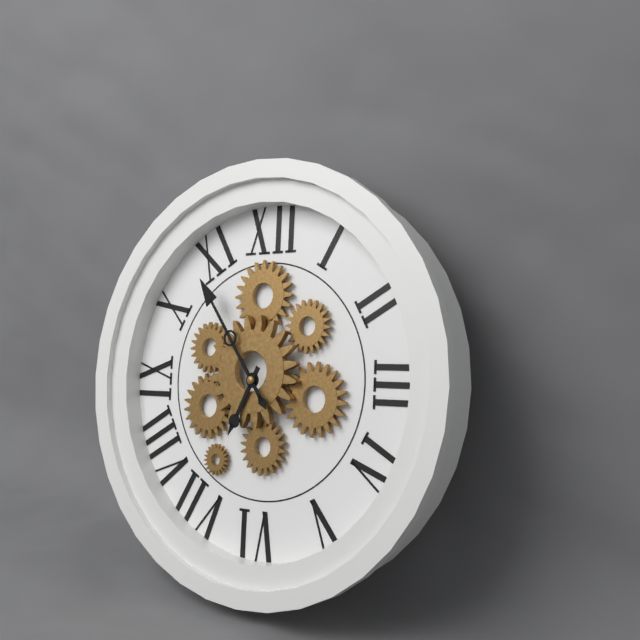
6.54
